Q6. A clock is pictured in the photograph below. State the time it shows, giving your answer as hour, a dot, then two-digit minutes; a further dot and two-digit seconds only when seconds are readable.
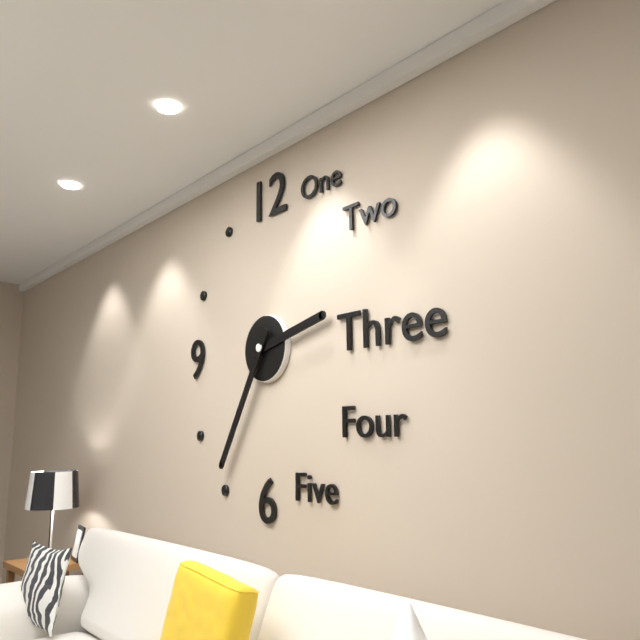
2.35
